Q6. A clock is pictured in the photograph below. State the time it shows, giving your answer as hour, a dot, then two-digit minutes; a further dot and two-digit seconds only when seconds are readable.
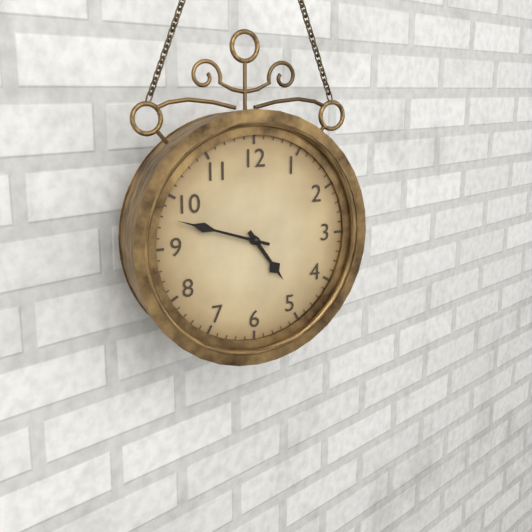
4.48
